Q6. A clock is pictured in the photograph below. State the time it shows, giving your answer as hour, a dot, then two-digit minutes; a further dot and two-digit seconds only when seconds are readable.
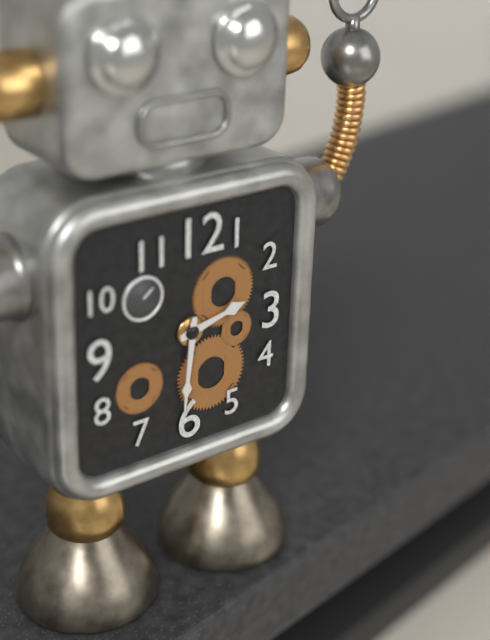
2.31
